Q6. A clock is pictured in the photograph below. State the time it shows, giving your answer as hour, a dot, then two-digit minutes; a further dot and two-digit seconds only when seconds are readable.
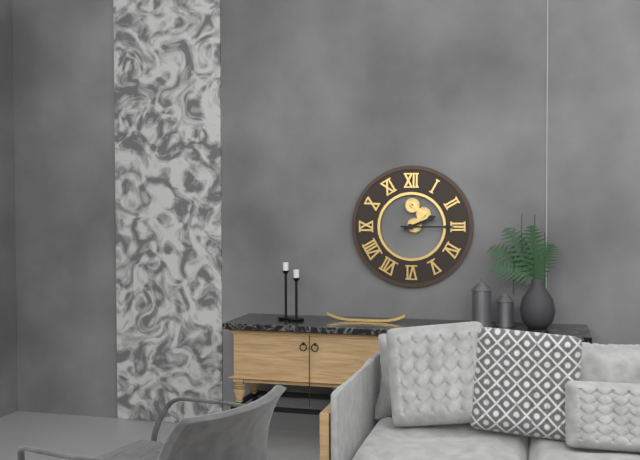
2.15
